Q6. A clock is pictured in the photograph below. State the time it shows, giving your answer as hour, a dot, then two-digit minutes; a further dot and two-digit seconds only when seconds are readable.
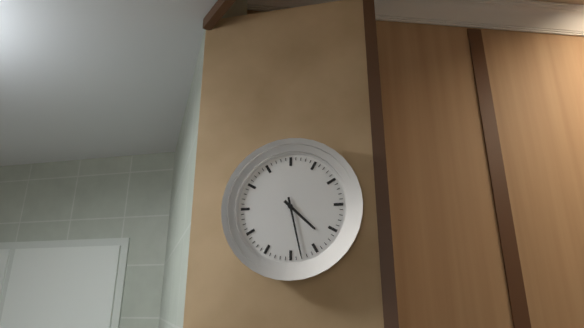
4.28
